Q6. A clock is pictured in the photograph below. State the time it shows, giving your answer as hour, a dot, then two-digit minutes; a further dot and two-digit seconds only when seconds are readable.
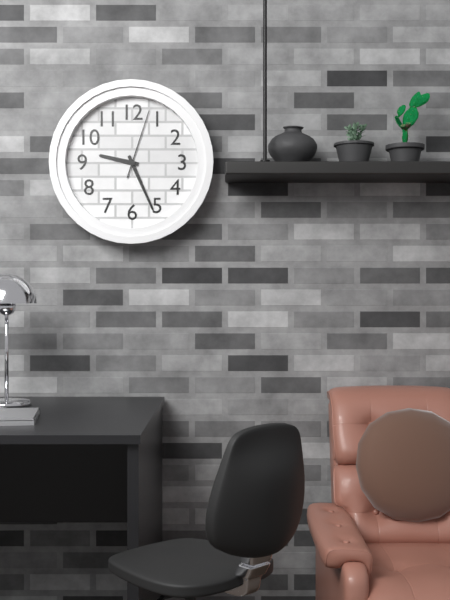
9.26.03
